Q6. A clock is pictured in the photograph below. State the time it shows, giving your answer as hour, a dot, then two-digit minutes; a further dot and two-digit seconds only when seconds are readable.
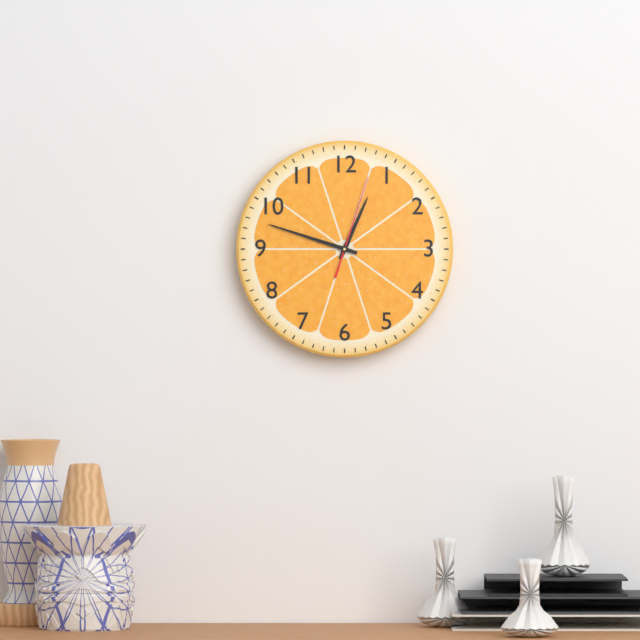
12.48.03
